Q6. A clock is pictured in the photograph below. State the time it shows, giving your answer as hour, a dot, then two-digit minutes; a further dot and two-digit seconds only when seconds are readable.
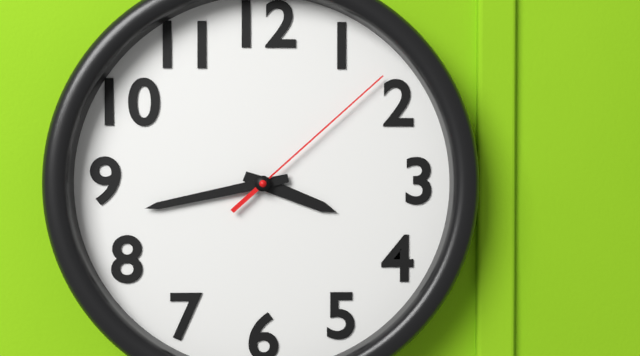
3.43.08
